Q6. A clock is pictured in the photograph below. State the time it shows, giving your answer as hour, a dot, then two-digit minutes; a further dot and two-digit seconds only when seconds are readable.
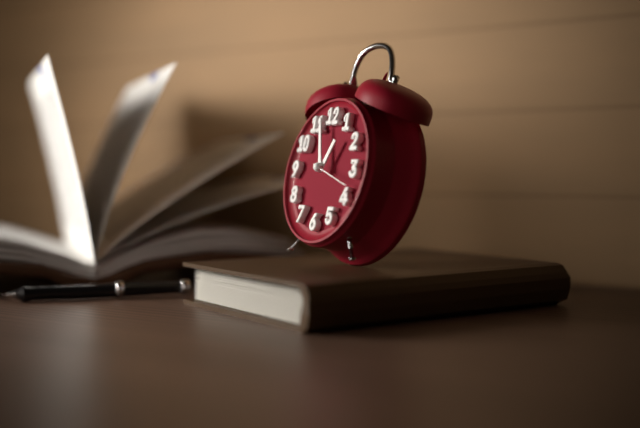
12.57
